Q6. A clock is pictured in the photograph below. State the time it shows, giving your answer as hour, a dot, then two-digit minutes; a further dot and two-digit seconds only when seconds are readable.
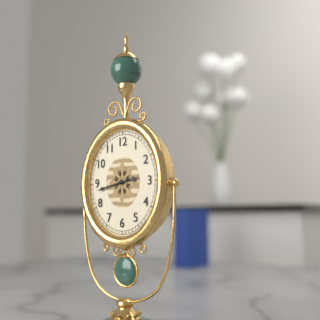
2.43
